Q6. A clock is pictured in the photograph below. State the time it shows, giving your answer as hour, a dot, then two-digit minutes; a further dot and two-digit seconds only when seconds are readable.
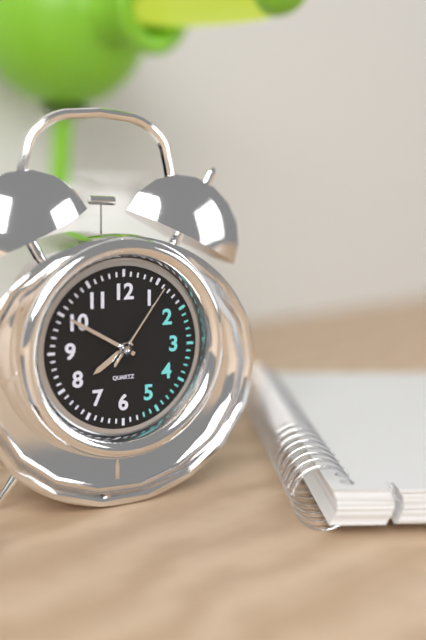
7.50.06
